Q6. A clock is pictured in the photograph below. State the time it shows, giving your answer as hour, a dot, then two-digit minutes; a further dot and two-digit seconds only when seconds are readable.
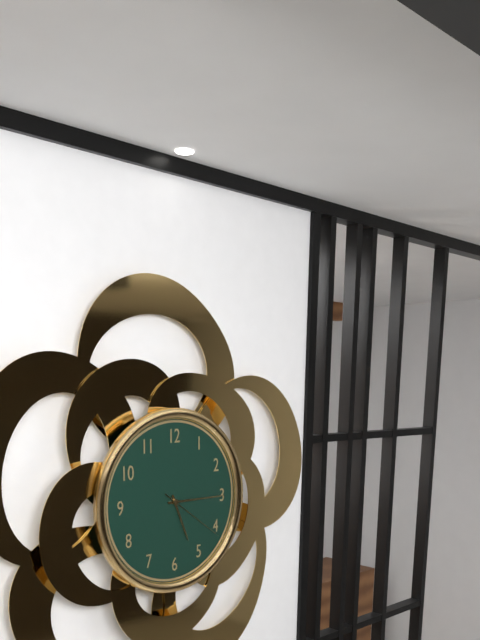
5.15.21
